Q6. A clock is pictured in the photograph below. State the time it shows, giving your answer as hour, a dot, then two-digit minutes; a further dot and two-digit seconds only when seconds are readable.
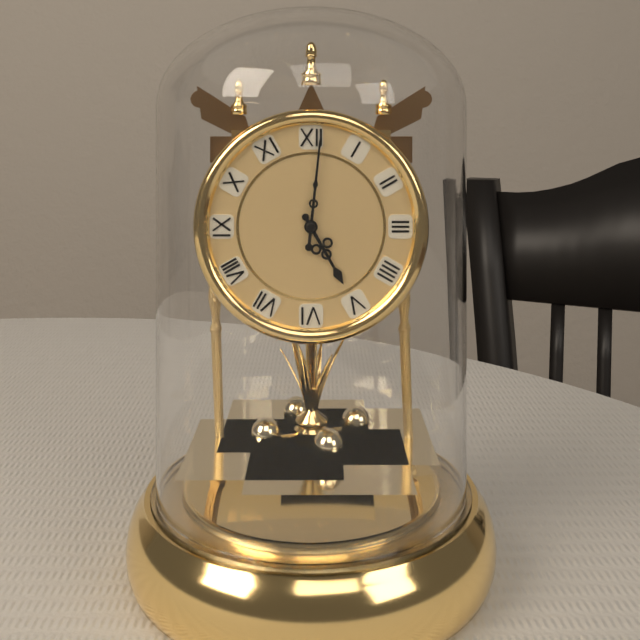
5.01
